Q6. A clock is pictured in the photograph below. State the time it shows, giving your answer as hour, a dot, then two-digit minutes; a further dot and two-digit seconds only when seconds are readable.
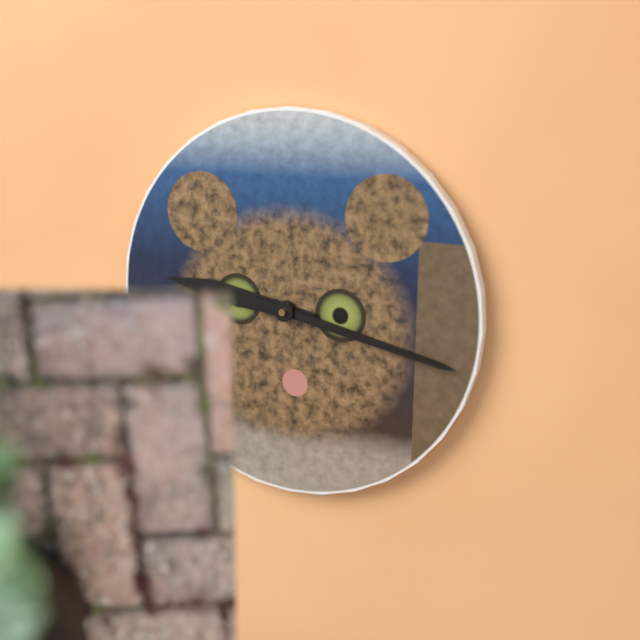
9.17
